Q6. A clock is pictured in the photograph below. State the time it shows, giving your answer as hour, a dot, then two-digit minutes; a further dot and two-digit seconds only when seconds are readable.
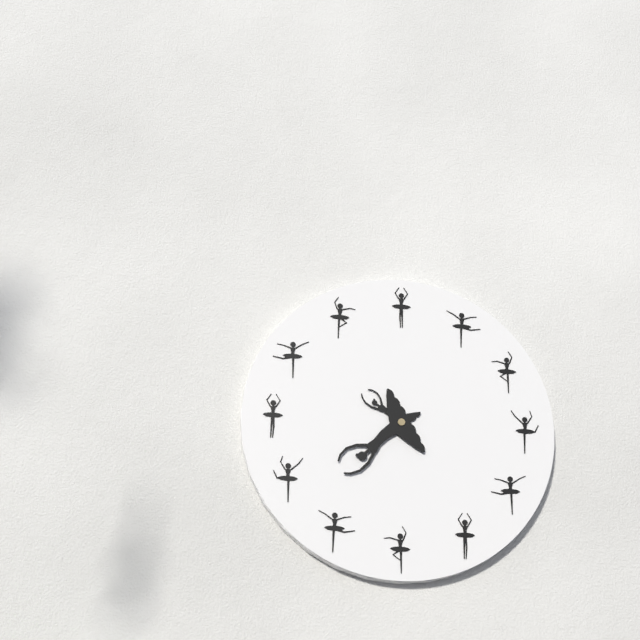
10.40
